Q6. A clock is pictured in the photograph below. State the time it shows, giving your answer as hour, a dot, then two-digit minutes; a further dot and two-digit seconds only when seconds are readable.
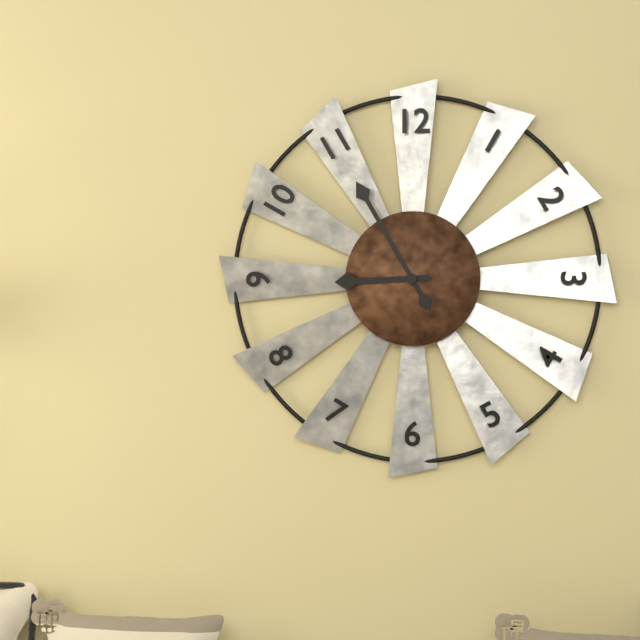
8.55
